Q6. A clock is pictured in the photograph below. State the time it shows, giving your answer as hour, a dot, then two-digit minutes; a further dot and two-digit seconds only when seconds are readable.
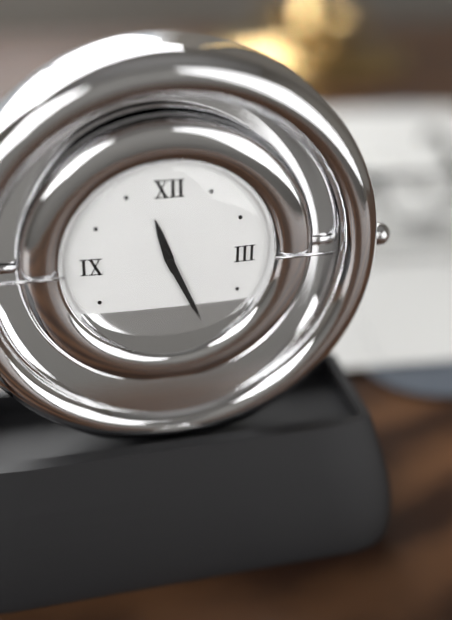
11.26
